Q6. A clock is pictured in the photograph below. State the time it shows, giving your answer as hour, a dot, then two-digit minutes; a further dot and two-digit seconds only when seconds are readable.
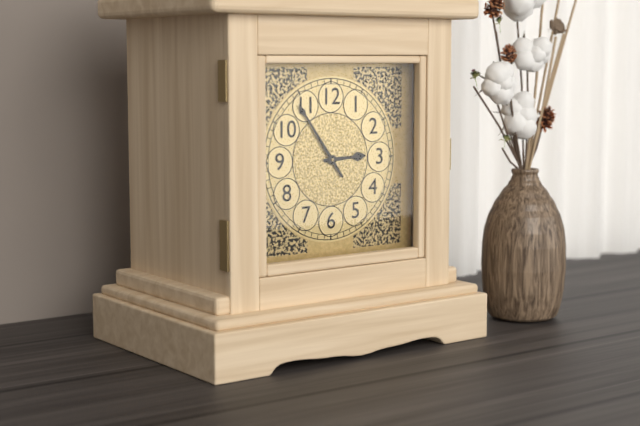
2.54
